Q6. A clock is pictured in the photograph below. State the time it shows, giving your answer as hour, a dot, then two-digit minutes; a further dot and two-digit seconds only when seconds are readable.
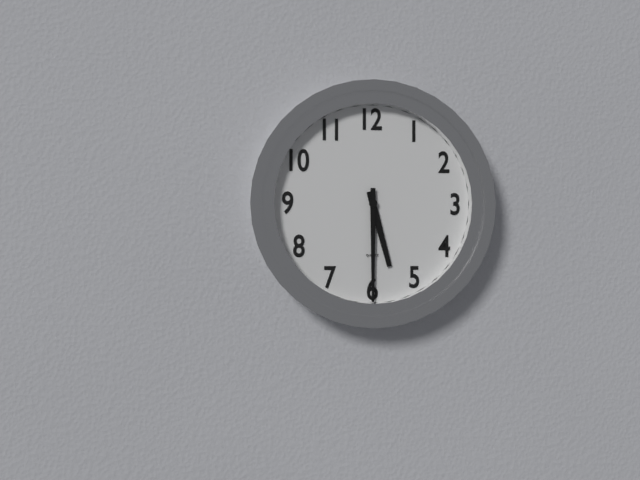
5.30
